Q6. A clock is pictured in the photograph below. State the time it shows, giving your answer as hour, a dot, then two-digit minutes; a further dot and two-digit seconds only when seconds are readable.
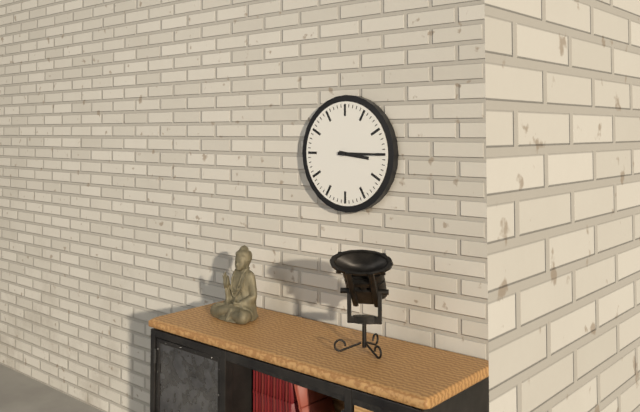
3.15
